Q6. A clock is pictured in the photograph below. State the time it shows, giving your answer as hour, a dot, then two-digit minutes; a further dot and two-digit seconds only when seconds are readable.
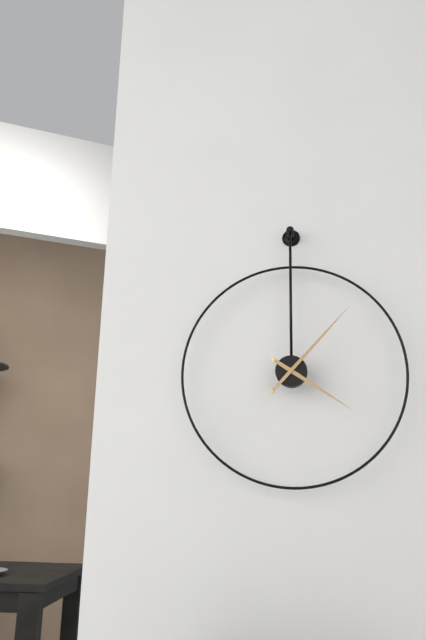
4.07
